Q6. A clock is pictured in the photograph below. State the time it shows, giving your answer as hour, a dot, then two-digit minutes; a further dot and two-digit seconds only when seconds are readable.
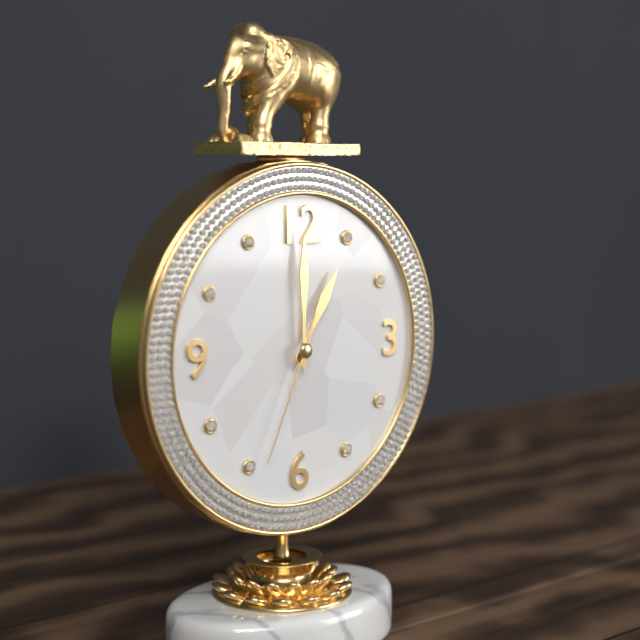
1.00.34
